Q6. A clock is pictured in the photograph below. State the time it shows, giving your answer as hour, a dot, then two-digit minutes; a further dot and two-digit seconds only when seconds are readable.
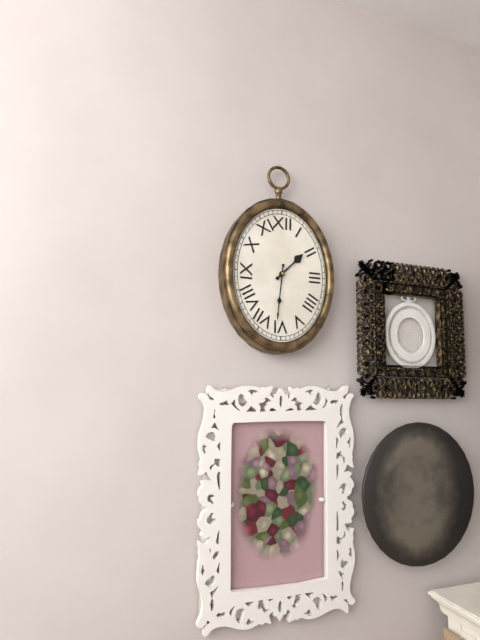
1.31
